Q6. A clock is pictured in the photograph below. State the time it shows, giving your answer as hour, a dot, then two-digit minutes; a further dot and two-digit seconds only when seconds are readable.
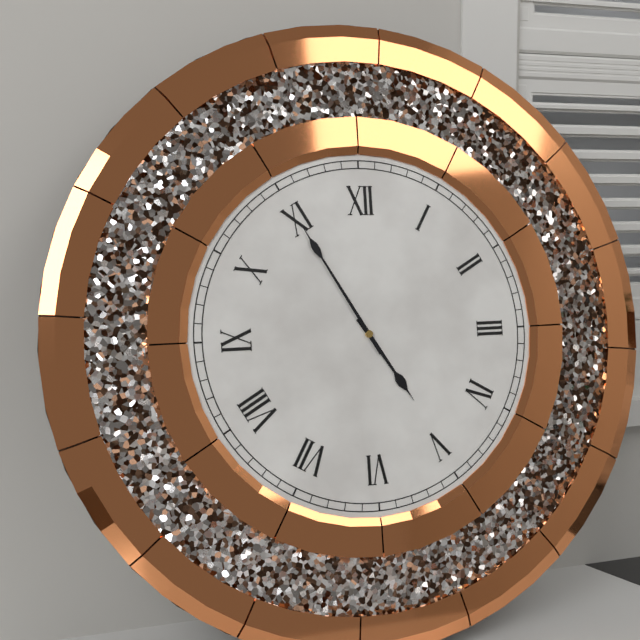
4.55
